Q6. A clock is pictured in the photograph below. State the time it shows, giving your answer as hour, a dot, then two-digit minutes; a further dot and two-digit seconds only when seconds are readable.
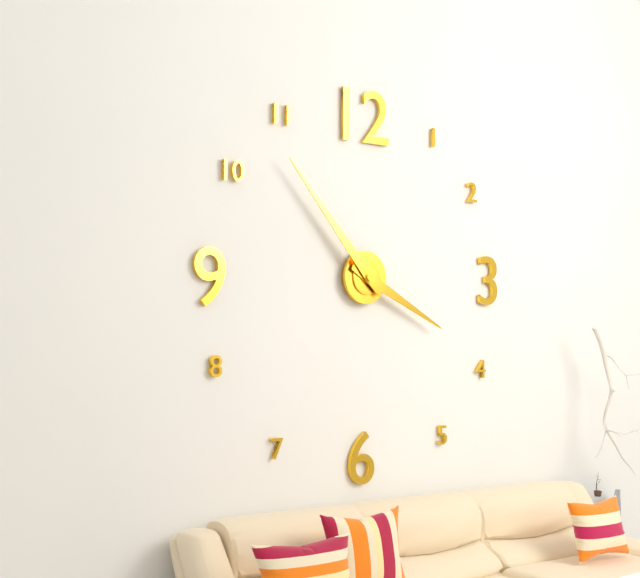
3.53
